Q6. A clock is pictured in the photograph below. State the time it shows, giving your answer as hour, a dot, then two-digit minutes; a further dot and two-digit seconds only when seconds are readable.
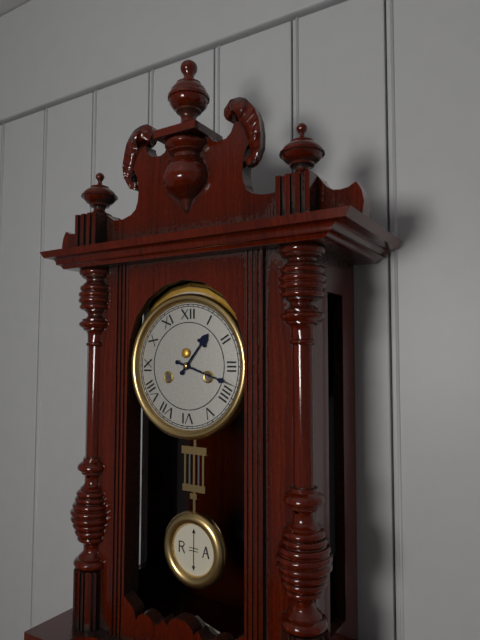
1.18
